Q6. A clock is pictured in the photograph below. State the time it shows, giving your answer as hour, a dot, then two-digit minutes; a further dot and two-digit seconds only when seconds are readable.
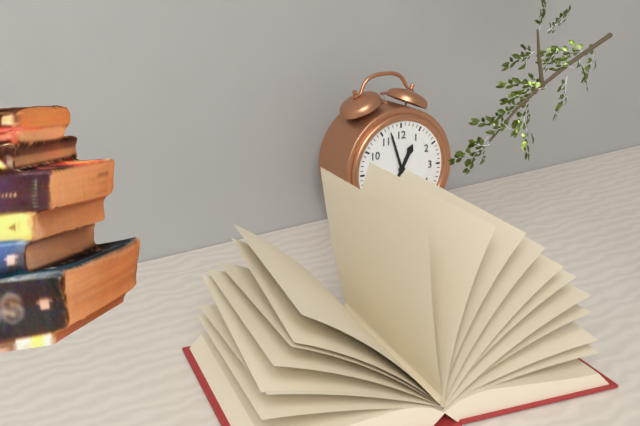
12.57
